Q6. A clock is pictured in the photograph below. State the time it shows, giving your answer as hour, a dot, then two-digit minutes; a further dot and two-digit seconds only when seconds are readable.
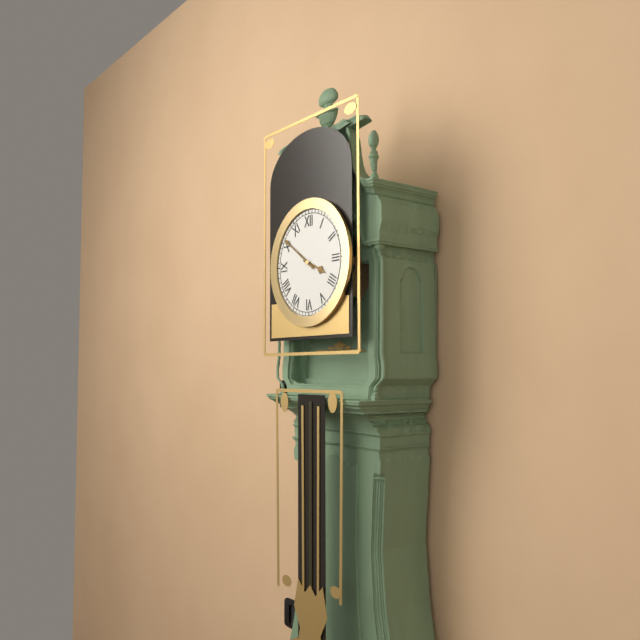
3.51
